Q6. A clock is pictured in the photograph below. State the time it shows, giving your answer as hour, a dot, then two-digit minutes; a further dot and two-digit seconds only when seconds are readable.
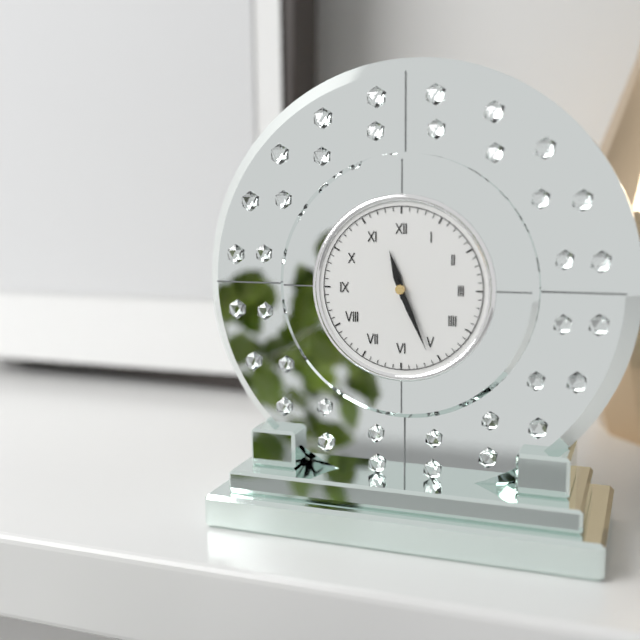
11.26
